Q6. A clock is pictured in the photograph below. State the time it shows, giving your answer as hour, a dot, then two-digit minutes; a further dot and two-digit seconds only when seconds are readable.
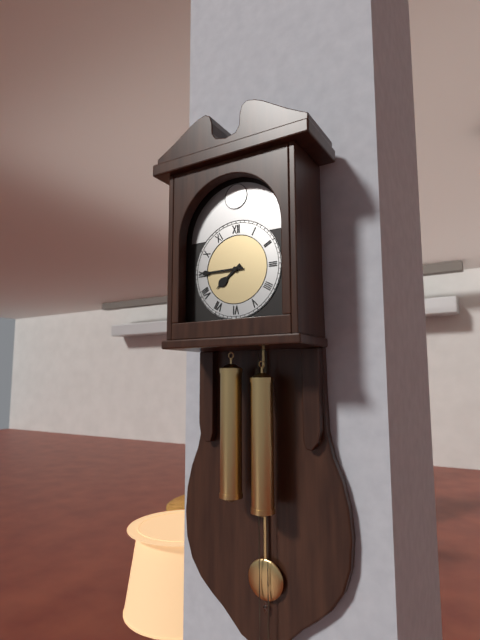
7.45
